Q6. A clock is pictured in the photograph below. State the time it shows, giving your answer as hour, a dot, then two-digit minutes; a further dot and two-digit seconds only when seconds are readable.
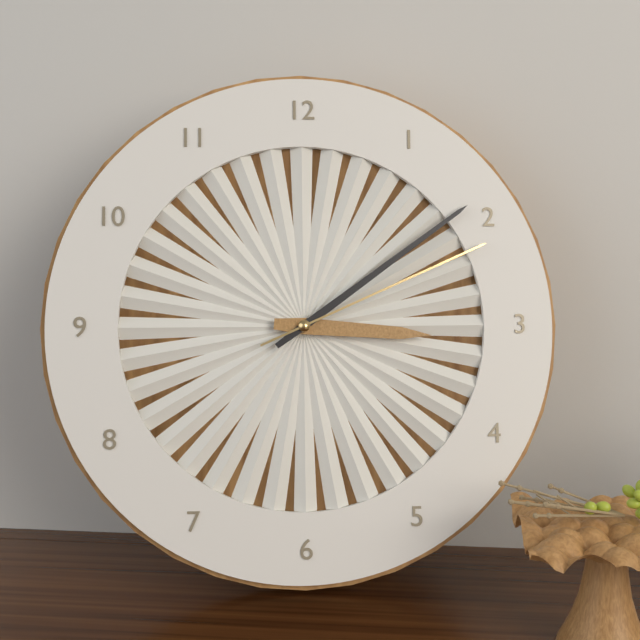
3.09.11
